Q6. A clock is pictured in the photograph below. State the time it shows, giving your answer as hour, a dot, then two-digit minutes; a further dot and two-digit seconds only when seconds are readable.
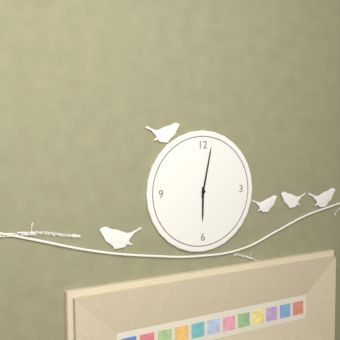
6.02
